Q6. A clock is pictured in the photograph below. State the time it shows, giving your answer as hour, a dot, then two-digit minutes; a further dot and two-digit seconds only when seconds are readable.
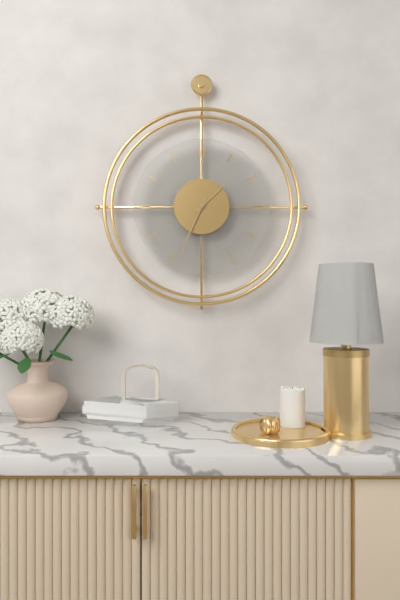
1.34
